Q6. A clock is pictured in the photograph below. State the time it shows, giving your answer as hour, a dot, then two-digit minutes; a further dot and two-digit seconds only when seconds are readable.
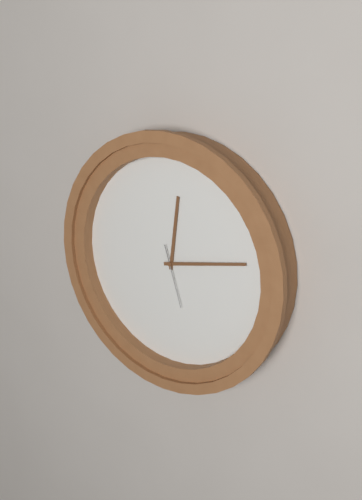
12.13.27
